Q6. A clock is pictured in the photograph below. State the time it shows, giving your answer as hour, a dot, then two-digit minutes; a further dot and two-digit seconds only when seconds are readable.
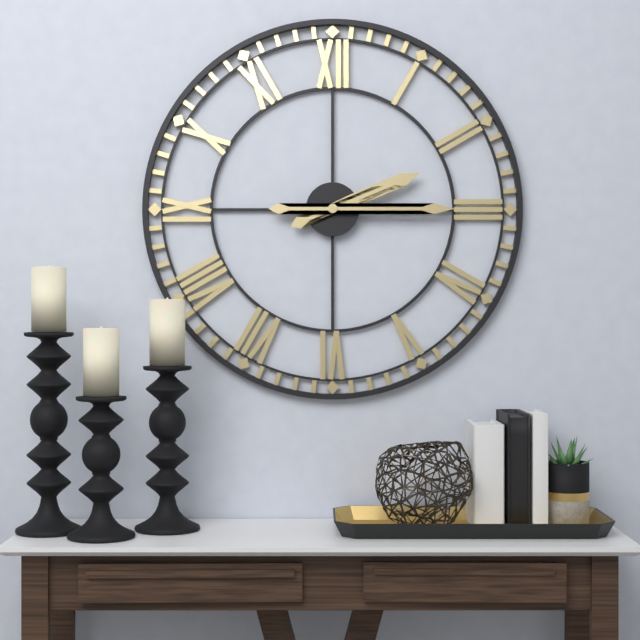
2.15
